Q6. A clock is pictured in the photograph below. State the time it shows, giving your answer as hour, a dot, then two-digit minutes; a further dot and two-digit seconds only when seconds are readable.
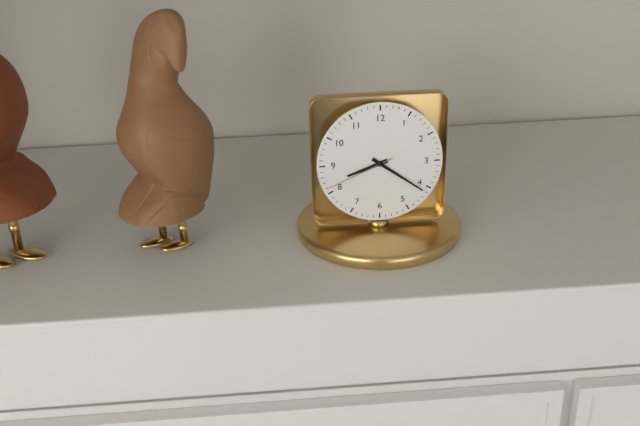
8.21.41
